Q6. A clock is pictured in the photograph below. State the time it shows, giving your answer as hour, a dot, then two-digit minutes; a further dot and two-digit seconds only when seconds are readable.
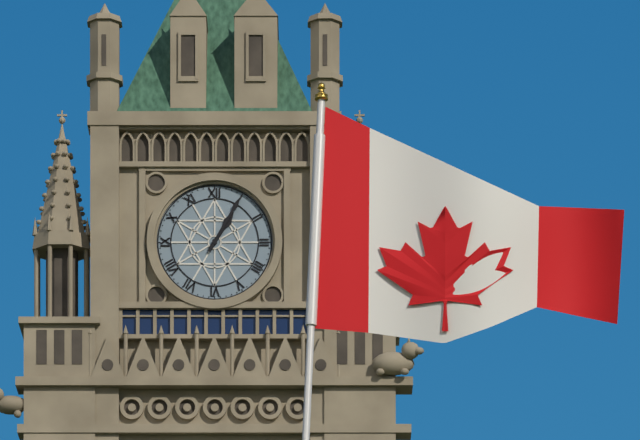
1.05
